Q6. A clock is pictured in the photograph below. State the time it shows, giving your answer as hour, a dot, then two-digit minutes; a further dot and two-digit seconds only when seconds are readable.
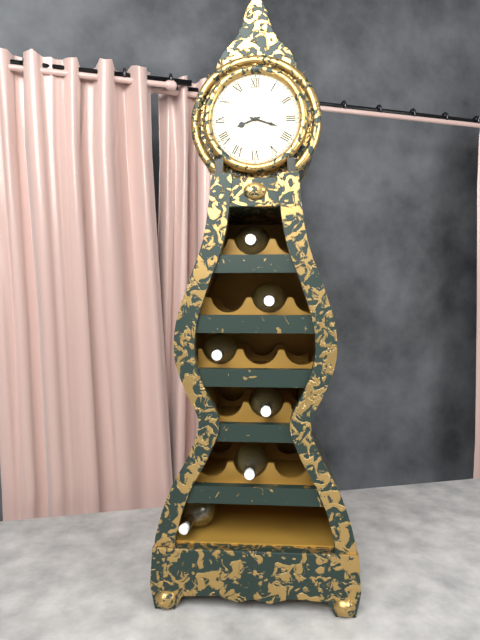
8.18
